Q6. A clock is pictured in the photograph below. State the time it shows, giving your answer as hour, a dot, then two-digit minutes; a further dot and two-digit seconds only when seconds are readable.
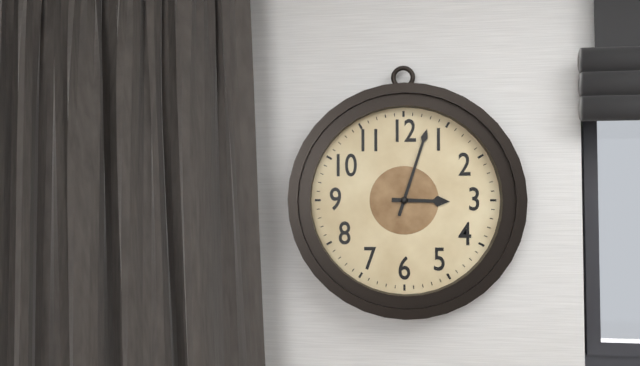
3.03
